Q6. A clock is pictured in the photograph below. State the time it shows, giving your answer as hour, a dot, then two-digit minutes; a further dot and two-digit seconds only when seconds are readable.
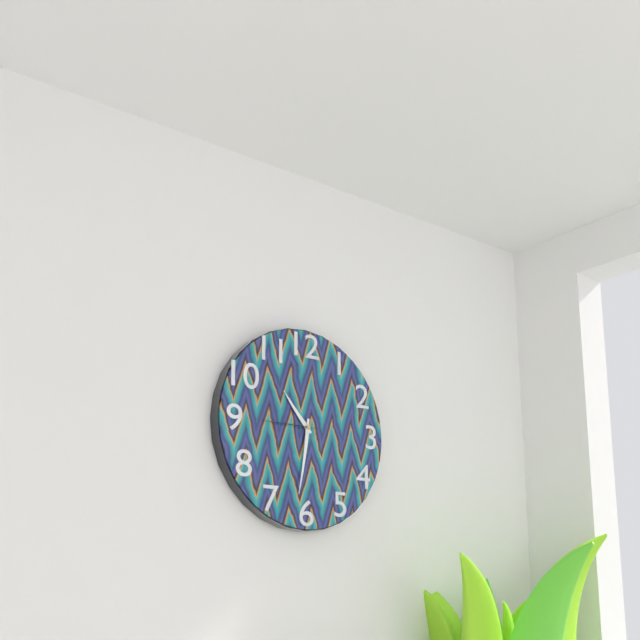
10.31.45
